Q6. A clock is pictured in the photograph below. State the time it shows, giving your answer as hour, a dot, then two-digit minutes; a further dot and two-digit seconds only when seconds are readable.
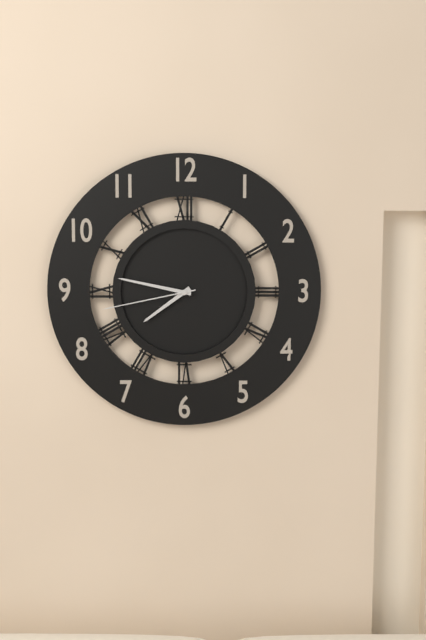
7.47.43
